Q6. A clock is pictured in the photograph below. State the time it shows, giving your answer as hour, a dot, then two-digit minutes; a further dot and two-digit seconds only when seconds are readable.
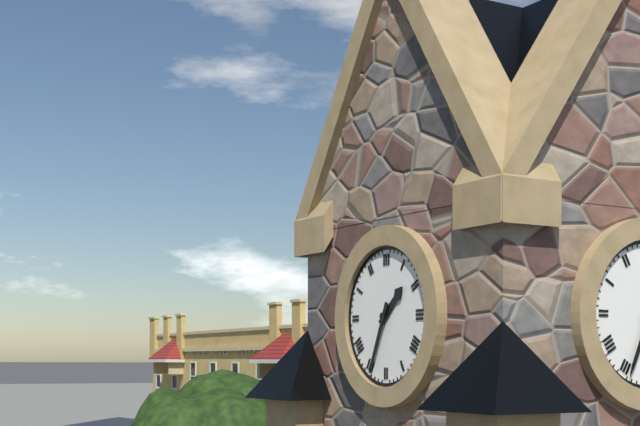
1.34
